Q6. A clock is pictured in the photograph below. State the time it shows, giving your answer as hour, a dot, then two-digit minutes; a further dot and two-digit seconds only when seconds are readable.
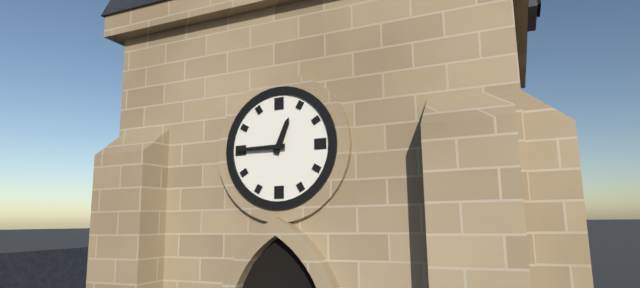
12.45
